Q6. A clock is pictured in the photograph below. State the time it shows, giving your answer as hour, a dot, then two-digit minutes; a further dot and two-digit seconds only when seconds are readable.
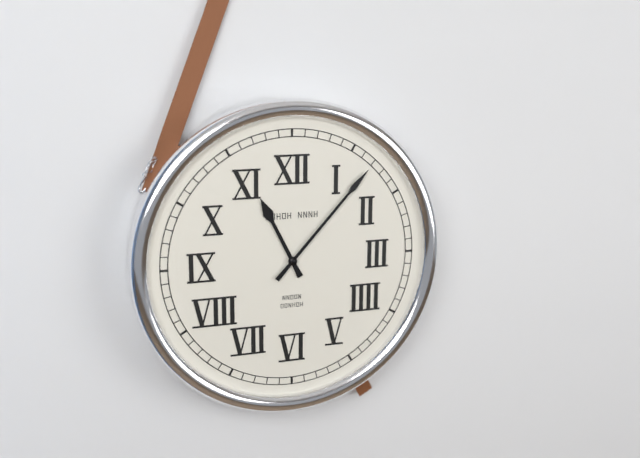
11.07
